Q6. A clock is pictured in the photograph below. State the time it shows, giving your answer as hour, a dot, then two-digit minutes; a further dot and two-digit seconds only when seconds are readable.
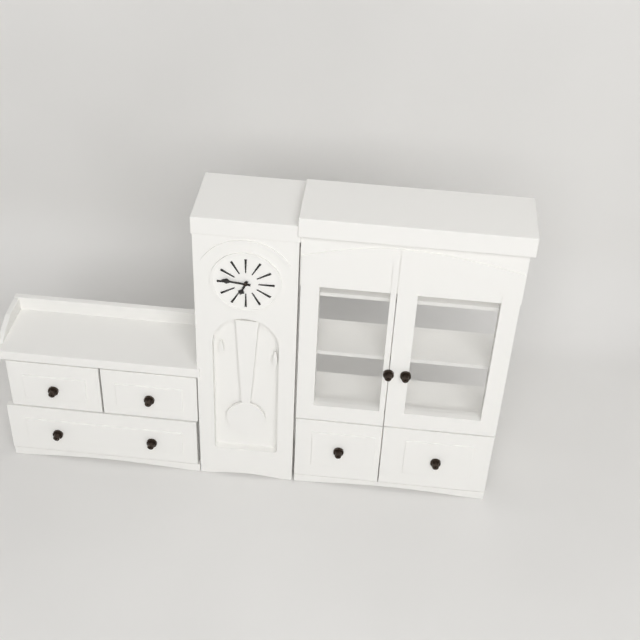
6.46
